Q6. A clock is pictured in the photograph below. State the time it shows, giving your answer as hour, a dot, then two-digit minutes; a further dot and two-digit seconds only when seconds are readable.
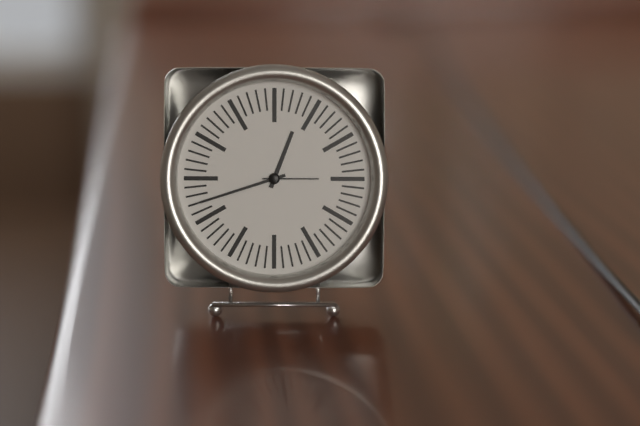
12.42.15
